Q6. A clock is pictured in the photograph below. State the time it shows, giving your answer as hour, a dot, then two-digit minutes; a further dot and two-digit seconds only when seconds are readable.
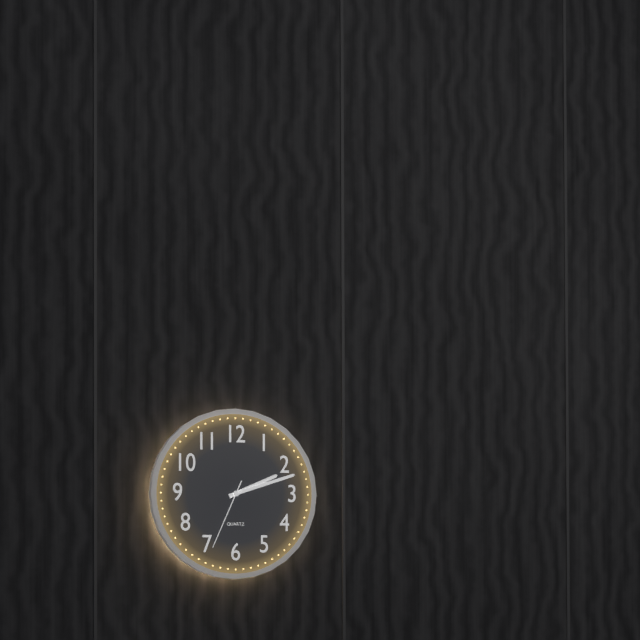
2.12.34
